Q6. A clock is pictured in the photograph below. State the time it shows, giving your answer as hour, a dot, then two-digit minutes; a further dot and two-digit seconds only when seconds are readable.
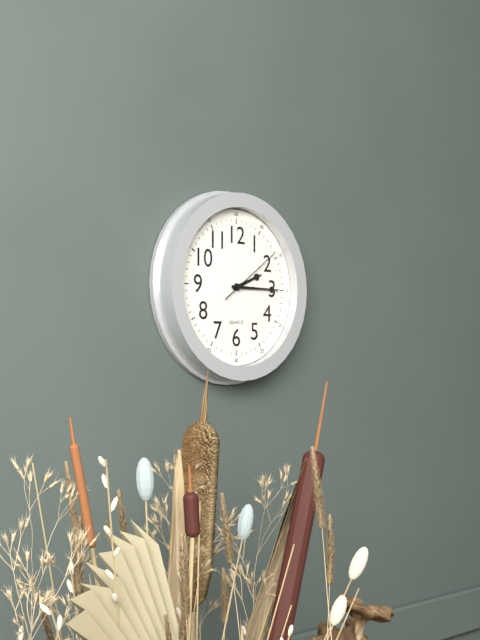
2.15.09
